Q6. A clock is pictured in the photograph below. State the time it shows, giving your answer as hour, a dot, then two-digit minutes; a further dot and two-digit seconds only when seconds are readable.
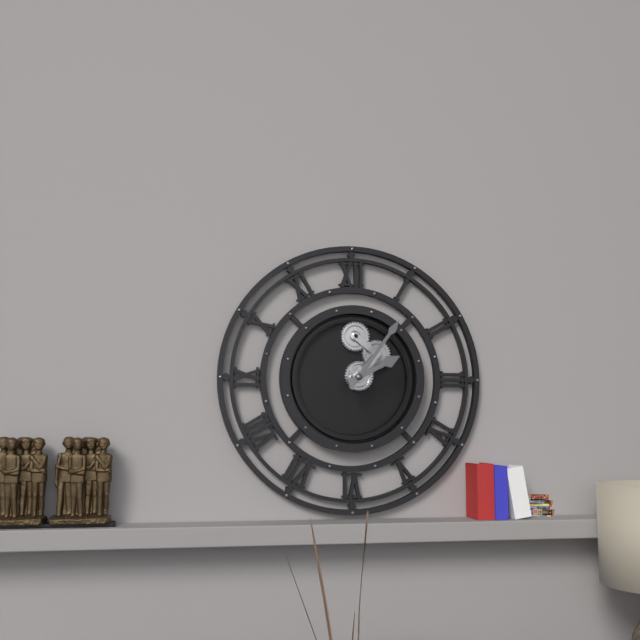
2.06
